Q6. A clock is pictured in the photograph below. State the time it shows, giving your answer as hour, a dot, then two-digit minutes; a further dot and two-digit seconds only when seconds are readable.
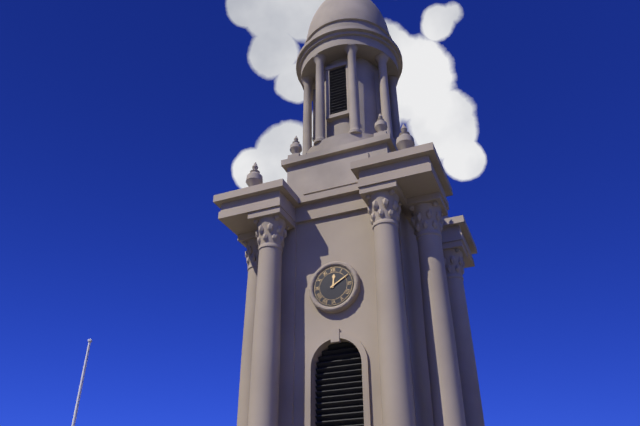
12.10
